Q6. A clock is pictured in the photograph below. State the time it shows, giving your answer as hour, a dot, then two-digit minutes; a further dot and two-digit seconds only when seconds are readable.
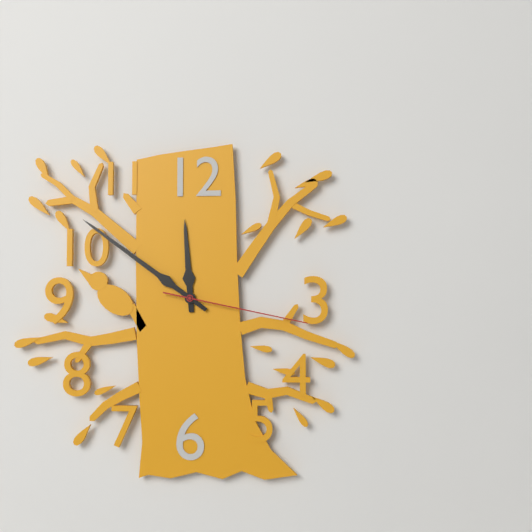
11.51.17
